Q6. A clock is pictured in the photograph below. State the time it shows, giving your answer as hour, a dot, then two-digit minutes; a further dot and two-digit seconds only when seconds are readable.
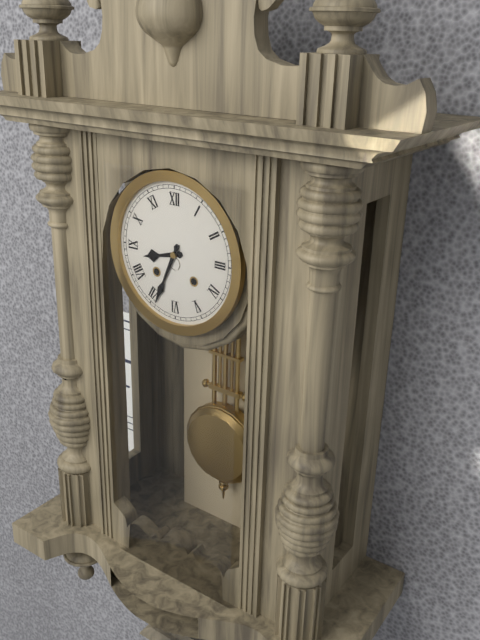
8.34
